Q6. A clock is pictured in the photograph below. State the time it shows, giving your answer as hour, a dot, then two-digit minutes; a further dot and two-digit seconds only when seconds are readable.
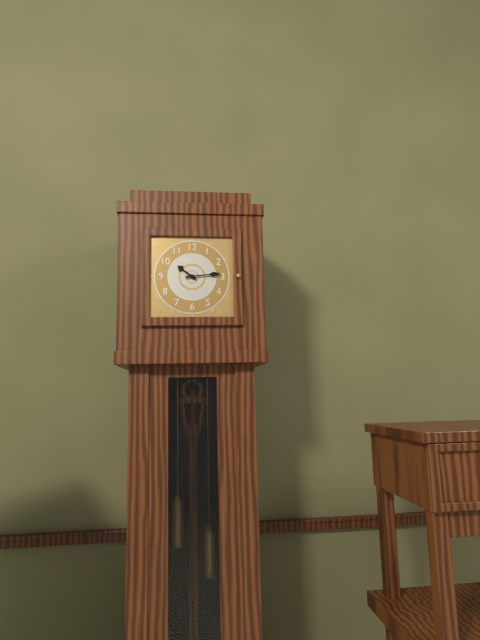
10.14
